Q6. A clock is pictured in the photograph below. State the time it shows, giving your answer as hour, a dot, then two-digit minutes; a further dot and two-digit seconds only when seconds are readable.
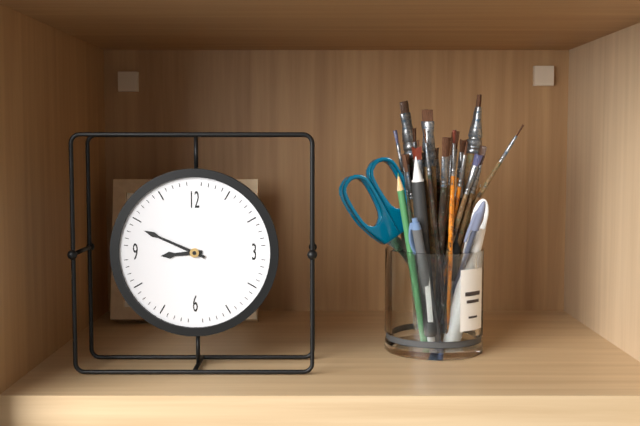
8.49
